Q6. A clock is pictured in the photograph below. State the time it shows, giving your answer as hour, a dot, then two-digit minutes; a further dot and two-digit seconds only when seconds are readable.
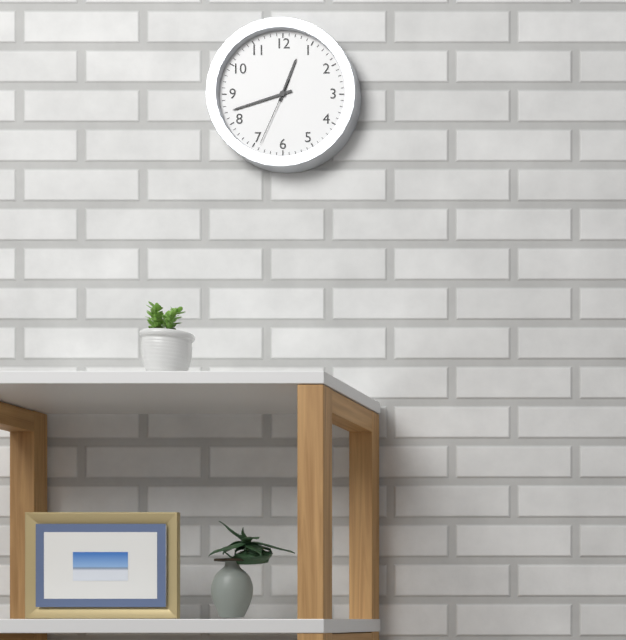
12.42.34
